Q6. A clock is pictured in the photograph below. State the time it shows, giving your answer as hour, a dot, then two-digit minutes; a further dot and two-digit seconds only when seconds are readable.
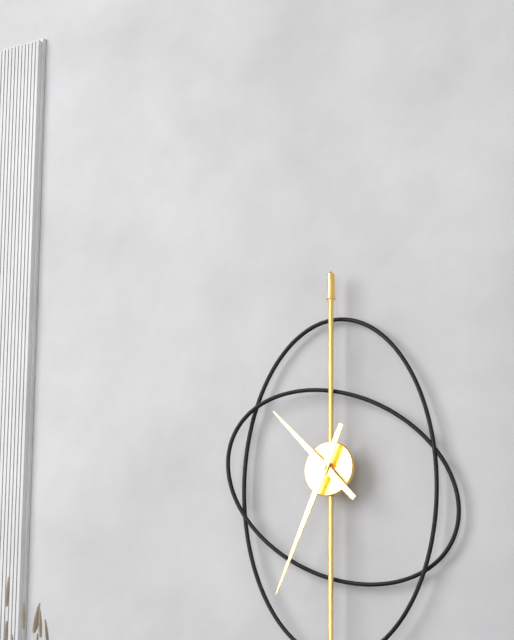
10.34
